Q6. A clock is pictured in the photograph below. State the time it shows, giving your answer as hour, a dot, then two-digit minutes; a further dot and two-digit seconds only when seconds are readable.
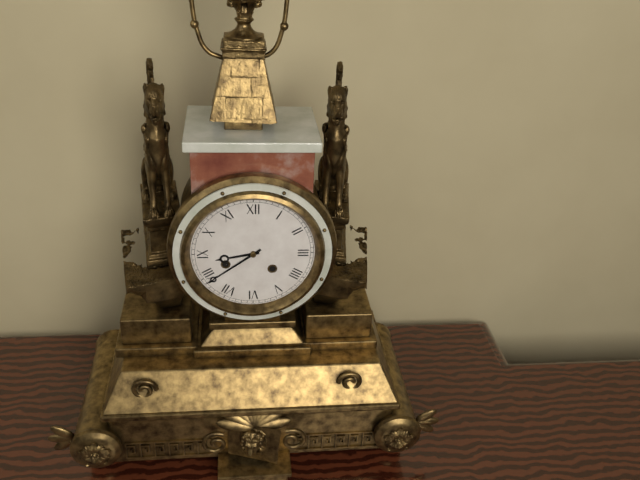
8.39
